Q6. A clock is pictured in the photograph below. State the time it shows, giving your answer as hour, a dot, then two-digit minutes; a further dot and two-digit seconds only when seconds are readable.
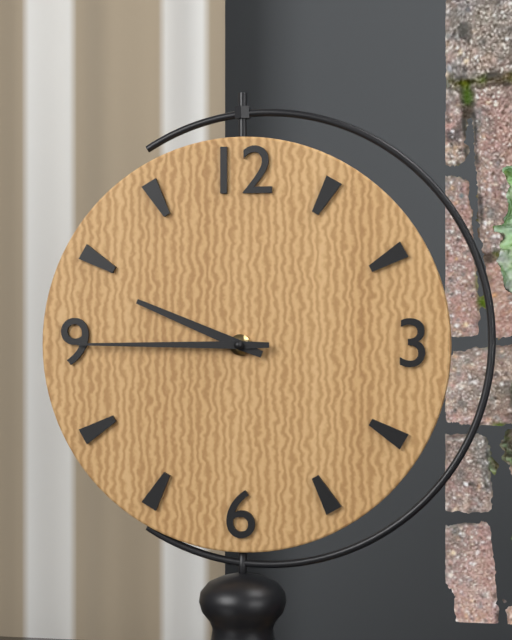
9.45
